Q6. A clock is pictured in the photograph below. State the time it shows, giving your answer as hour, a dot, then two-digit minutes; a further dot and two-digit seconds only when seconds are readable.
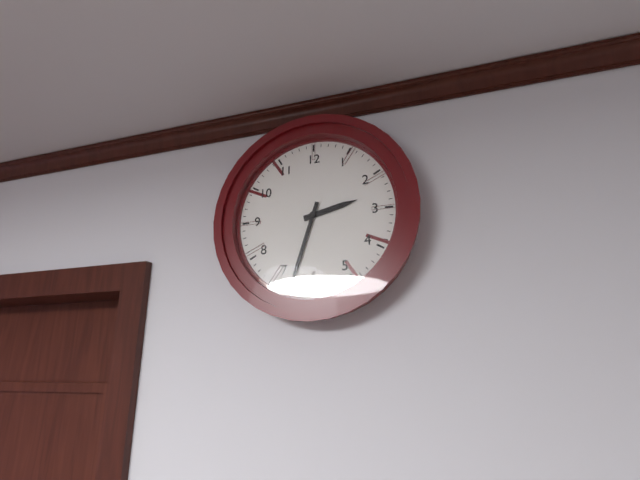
2.33
